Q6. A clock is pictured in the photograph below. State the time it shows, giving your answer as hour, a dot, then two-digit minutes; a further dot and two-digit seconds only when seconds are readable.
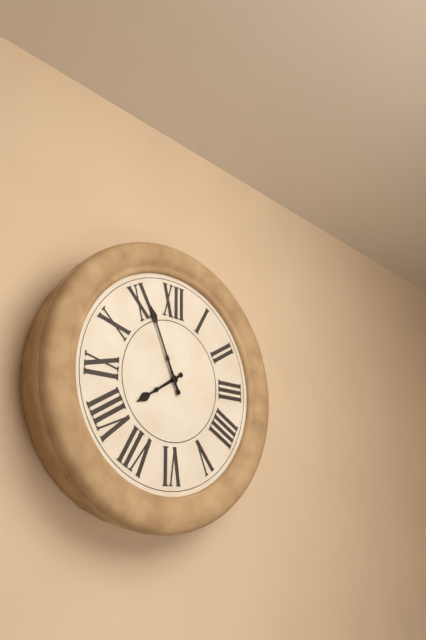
7.56
